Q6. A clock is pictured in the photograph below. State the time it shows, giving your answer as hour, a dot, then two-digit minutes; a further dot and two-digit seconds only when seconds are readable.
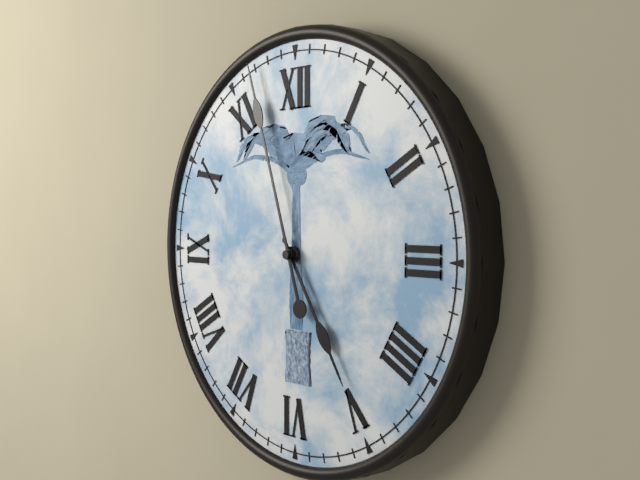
4.57
